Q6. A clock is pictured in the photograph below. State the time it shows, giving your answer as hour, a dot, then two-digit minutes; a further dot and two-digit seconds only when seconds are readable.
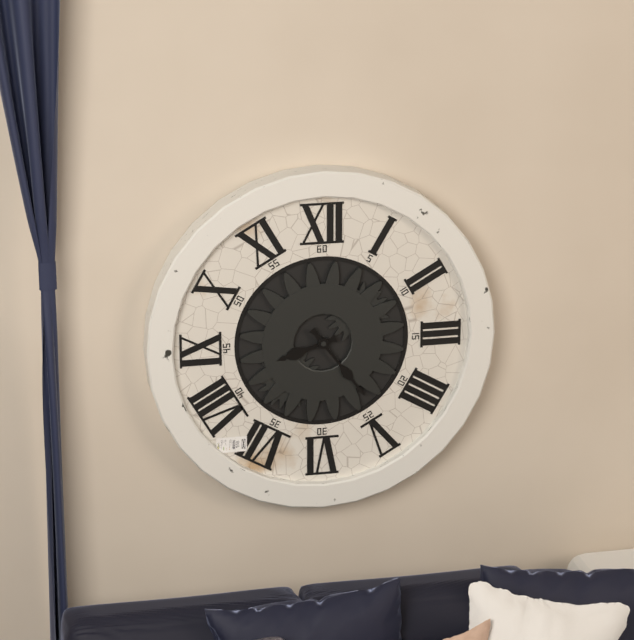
8.24
